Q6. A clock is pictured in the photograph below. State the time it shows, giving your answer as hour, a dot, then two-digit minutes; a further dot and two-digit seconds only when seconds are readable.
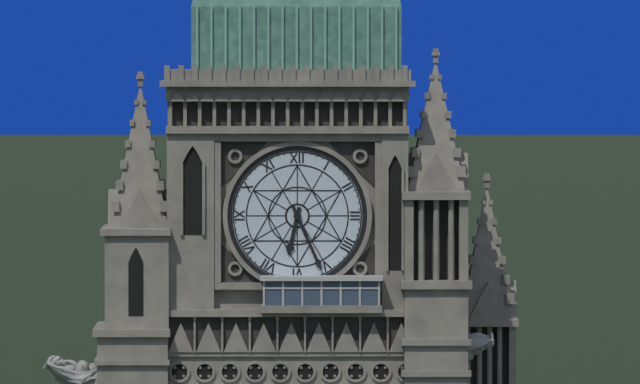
6.26
